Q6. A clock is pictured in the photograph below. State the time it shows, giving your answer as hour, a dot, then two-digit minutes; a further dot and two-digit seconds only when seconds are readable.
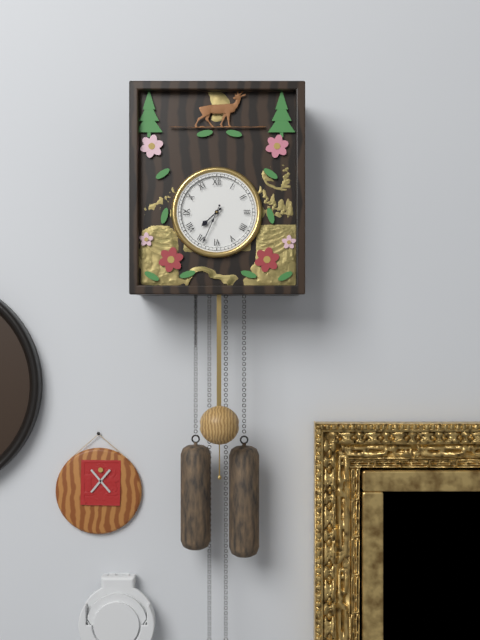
7.34
